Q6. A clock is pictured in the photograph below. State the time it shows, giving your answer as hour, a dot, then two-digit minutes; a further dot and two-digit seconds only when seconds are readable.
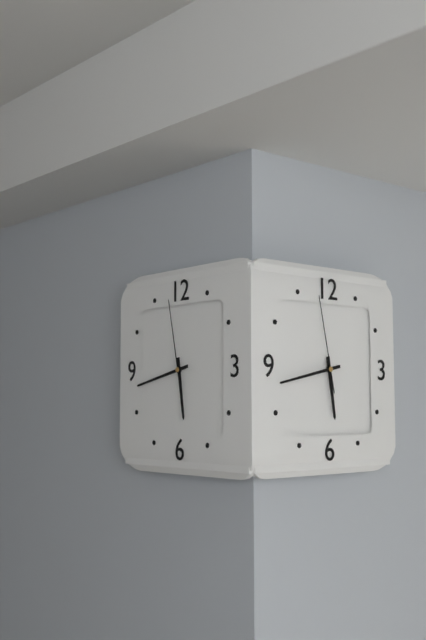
5.43.58
